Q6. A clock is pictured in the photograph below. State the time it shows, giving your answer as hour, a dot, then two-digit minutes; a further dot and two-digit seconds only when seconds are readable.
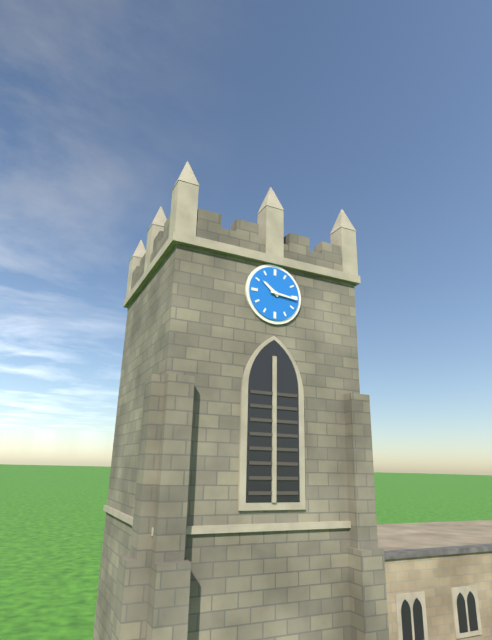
10.16
